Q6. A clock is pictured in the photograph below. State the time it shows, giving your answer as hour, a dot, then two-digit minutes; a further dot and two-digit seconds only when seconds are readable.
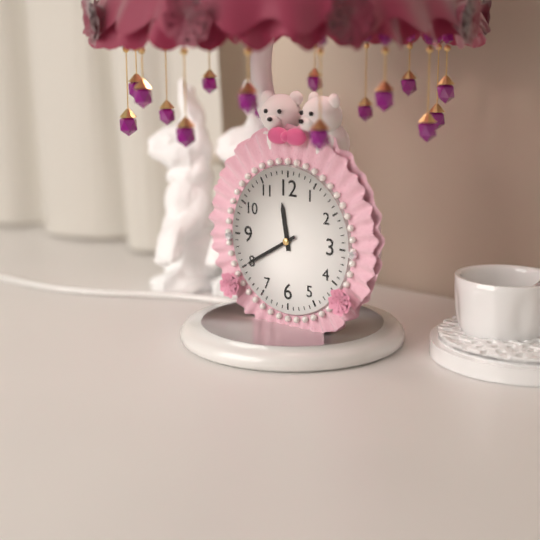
11.40
